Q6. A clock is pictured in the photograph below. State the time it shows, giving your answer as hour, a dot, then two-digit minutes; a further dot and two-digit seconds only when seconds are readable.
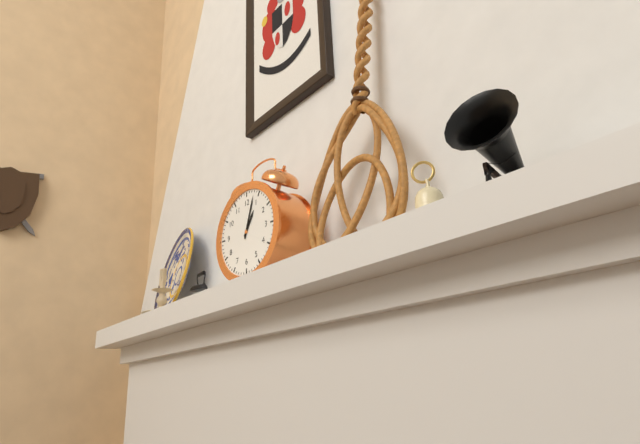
1.03
